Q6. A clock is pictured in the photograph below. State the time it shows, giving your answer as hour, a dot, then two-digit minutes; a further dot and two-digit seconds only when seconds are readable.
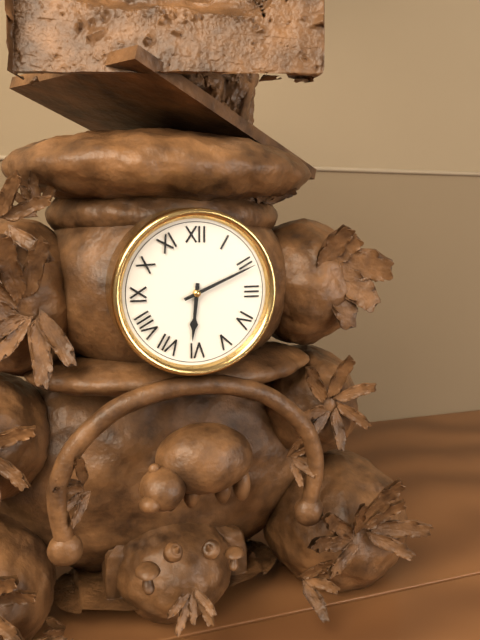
6.11
